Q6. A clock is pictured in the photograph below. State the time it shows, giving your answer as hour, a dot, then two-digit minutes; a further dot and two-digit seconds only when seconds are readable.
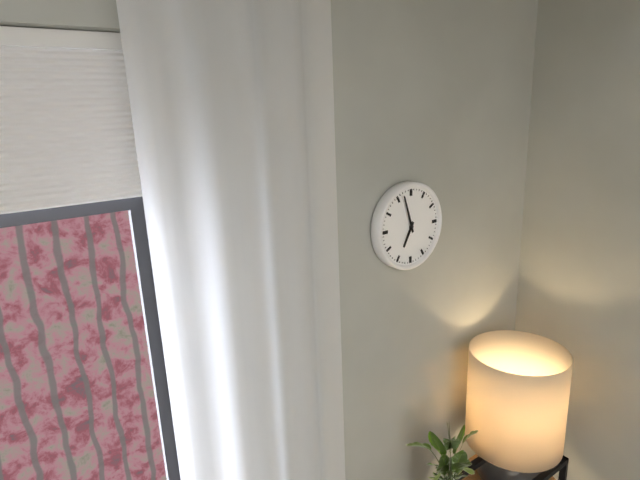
6.57
